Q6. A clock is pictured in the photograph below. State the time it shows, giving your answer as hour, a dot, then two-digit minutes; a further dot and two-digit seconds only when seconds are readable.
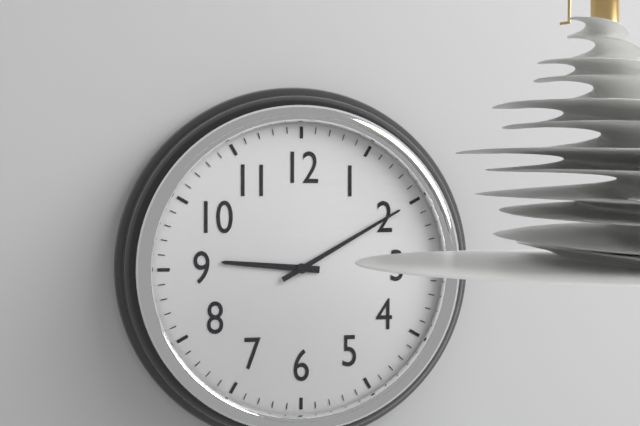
9.10
